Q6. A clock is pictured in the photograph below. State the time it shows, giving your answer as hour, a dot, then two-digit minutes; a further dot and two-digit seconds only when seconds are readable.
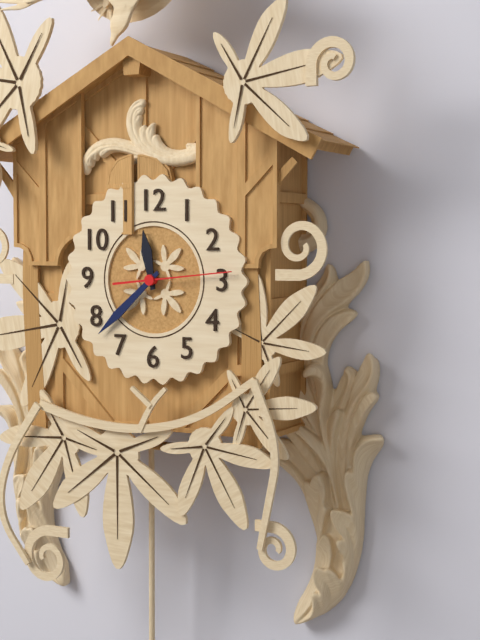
11.38.14
